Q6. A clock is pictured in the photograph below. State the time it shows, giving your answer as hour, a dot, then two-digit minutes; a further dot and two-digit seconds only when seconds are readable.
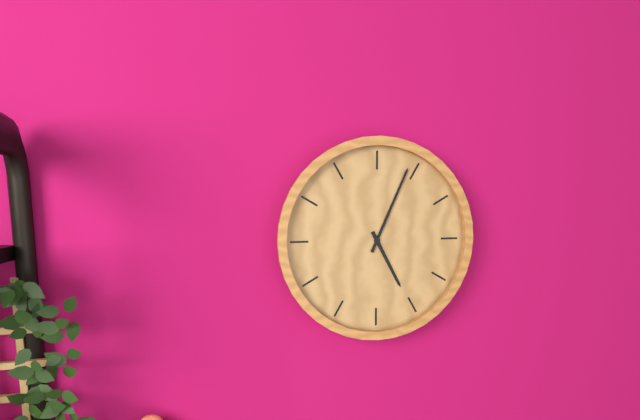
5.04
